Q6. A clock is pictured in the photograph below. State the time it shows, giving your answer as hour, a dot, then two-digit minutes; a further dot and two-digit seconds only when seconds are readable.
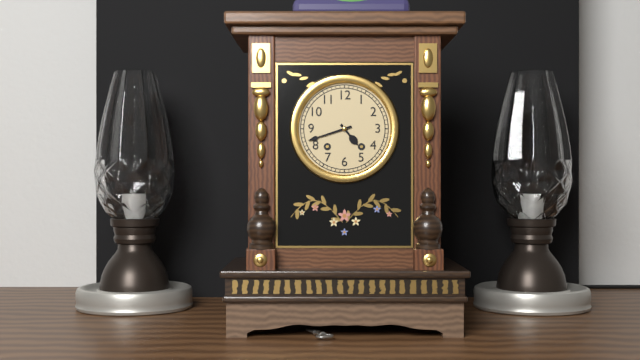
4.42
